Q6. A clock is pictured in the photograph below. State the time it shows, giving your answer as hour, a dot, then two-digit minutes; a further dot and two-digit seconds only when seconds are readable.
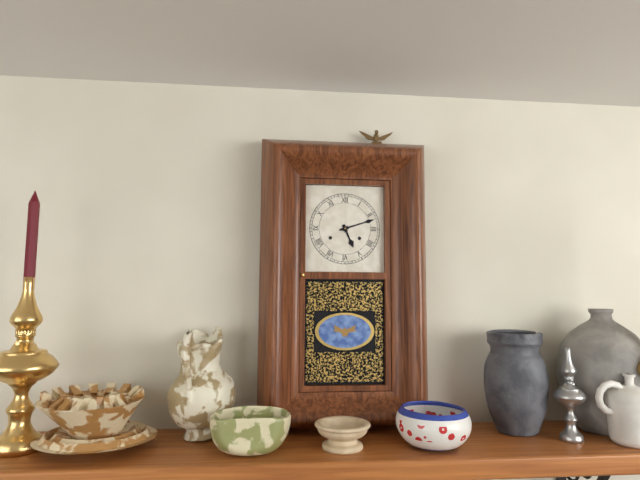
5.12
